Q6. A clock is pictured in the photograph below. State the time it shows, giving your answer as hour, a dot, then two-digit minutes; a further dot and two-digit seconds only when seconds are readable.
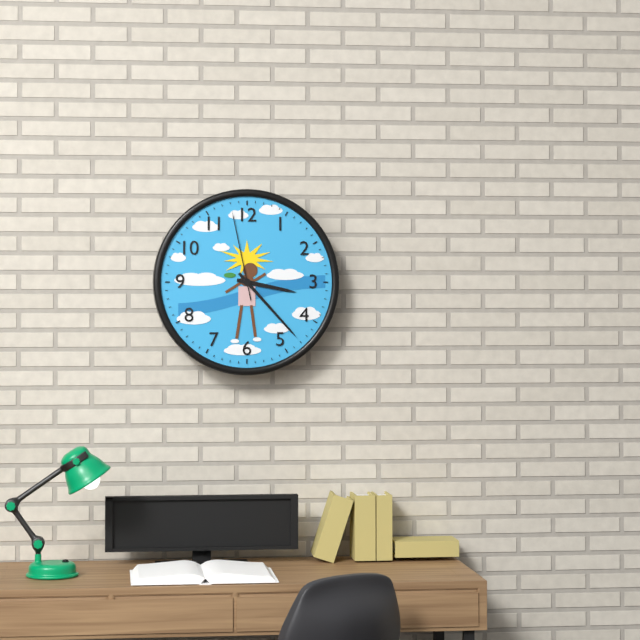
3.23.58
